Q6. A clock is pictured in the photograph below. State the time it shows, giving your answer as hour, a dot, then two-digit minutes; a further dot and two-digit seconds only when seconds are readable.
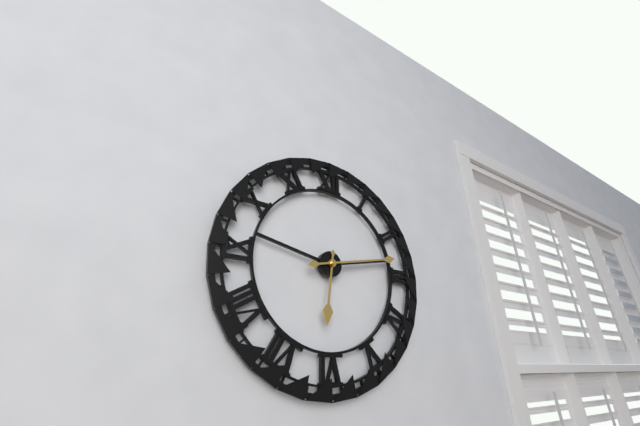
6.13
